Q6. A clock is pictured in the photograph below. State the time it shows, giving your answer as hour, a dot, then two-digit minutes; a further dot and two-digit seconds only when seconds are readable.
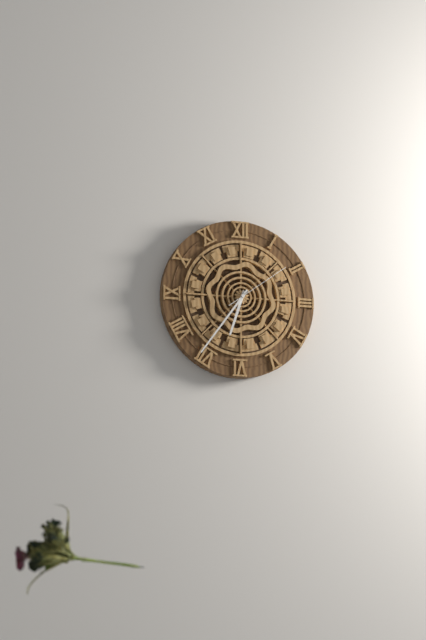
6.36.09
